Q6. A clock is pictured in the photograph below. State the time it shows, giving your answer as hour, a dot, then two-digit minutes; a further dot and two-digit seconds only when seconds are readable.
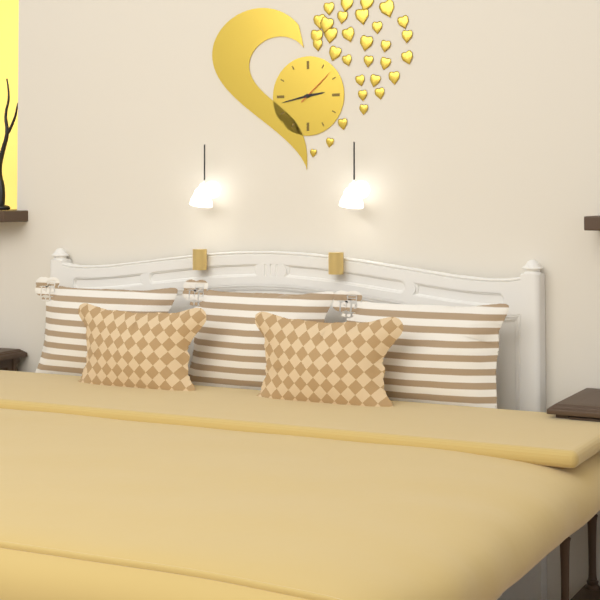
2.43
